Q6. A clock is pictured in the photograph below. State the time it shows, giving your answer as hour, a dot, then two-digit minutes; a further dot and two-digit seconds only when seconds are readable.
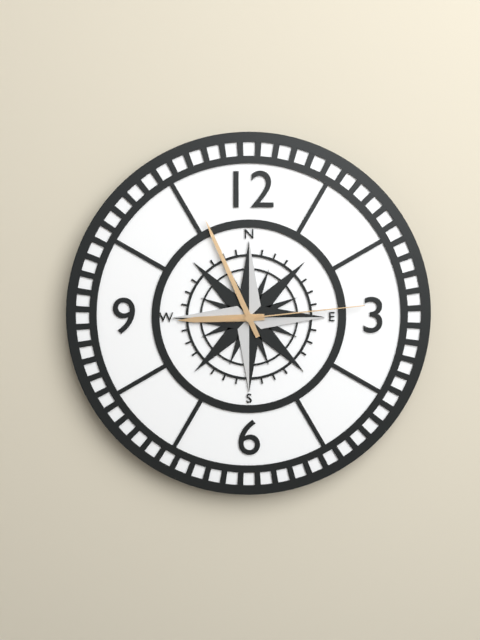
8.56.14
